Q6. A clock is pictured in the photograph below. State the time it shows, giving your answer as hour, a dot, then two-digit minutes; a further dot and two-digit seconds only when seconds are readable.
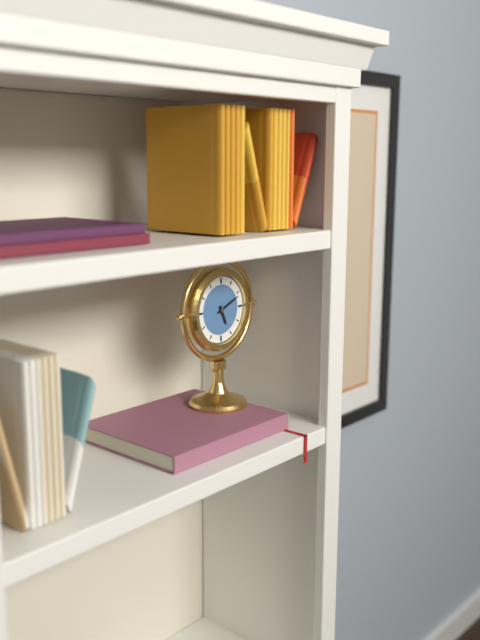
5.11
